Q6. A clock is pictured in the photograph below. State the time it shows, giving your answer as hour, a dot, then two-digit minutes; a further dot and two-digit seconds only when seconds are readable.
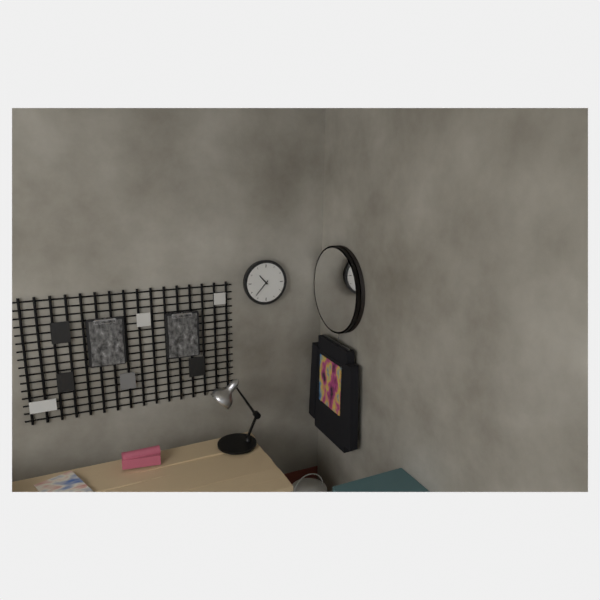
10.37
